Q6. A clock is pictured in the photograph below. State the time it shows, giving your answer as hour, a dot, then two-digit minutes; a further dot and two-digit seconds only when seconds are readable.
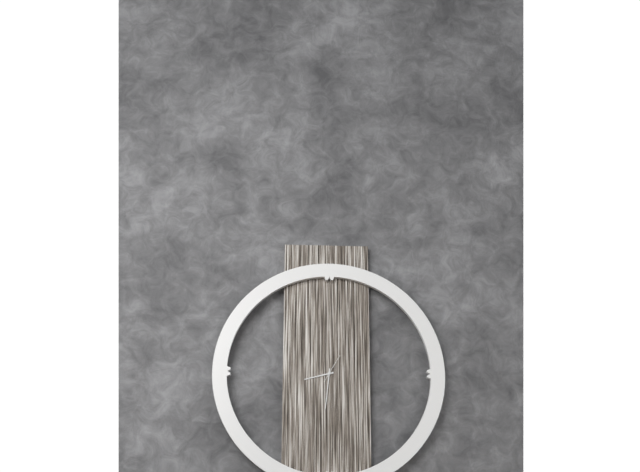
8.31
